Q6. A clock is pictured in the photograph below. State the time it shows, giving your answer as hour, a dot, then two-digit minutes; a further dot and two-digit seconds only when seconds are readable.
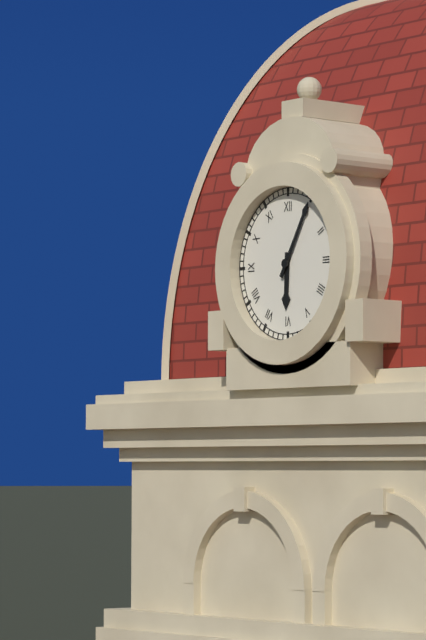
6.05
